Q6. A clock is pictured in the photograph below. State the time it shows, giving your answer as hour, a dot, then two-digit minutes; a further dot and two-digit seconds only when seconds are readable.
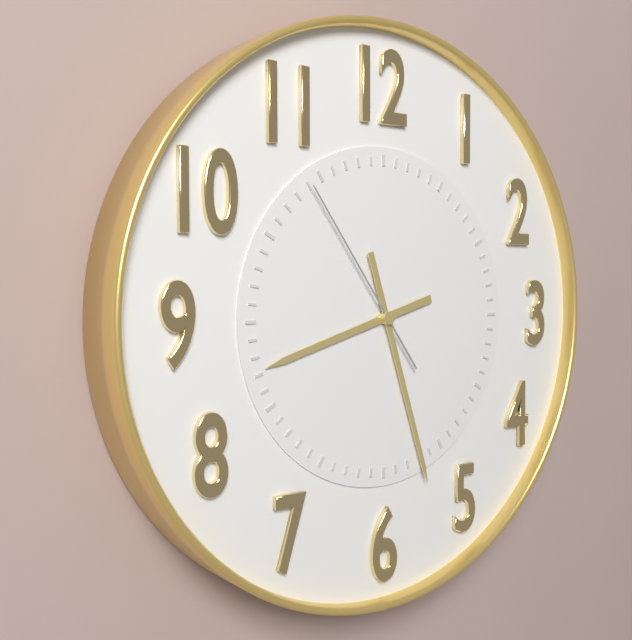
8.27.54
